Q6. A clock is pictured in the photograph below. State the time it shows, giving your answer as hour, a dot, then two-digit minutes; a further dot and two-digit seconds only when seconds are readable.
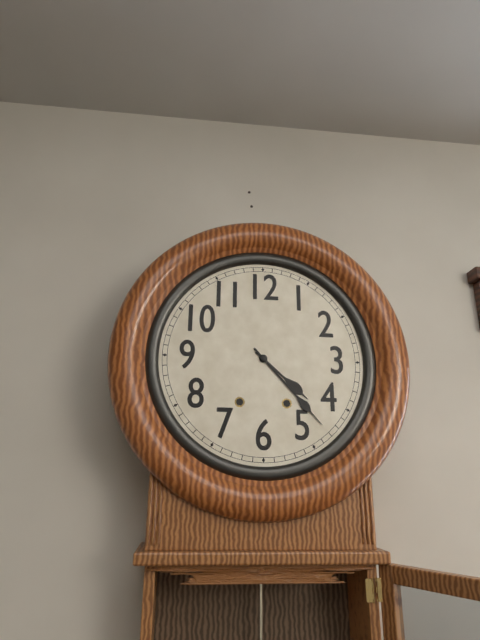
4.23
